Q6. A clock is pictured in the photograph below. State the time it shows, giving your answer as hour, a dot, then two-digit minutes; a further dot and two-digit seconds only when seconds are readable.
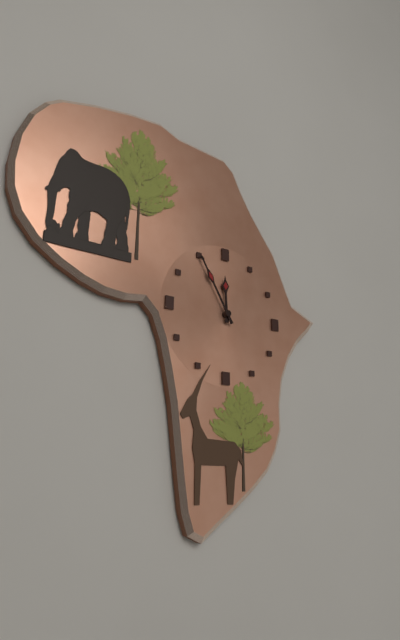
11.55
